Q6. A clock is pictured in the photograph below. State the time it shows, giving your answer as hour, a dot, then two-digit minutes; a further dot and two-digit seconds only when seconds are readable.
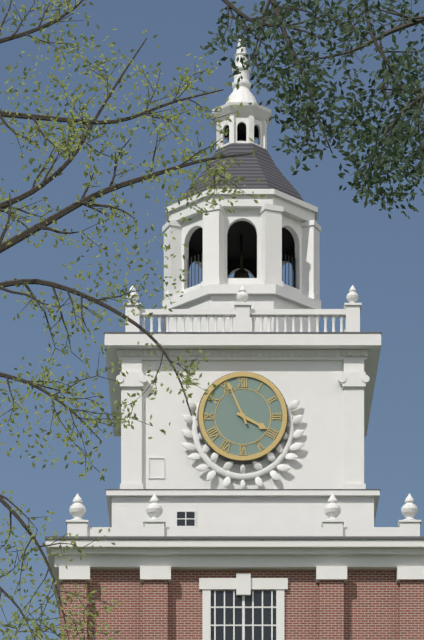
3.56
